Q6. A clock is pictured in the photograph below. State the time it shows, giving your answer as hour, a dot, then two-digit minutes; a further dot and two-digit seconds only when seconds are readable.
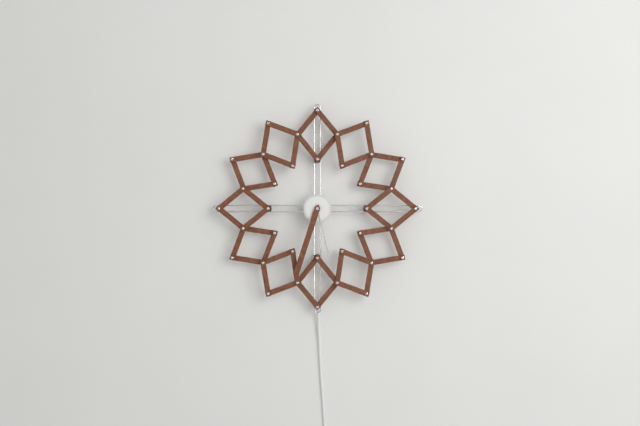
5.33
